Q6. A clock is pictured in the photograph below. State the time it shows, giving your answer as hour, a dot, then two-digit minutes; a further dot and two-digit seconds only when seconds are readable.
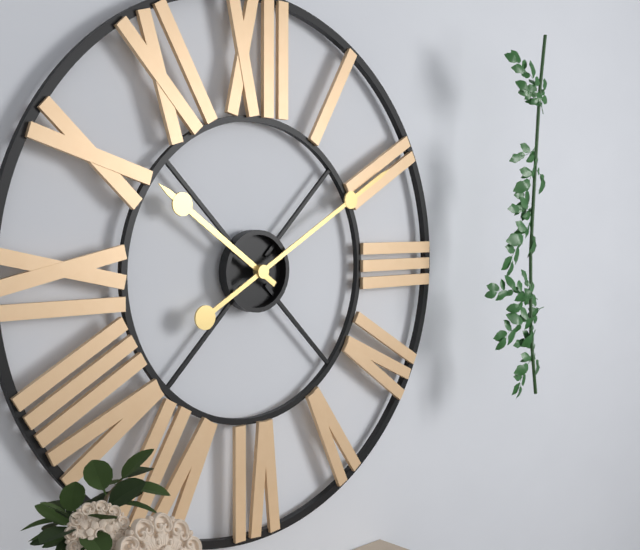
10.10
